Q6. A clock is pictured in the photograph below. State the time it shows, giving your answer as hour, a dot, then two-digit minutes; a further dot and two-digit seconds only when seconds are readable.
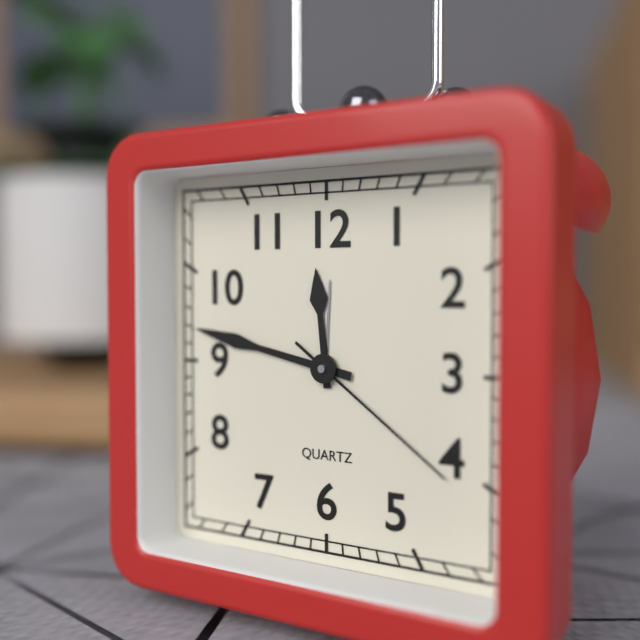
11.47.21
